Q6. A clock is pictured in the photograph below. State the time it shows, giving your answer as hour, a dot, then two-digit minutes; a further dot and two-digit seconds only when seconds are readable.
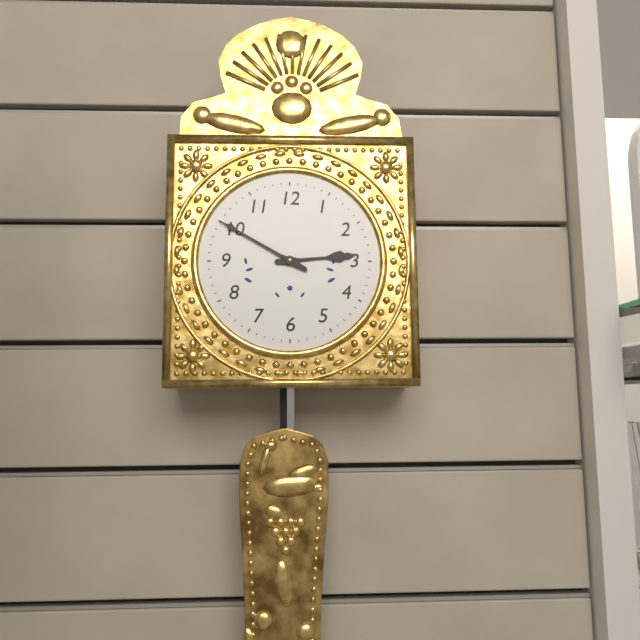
2.50
